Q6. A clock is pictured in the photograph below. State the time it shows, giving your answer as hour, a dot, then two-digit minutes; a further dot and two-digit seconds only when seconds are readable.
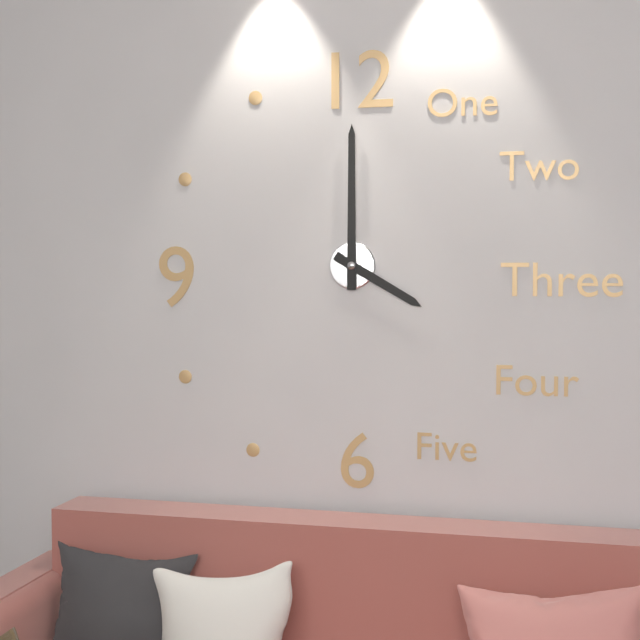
4.00
